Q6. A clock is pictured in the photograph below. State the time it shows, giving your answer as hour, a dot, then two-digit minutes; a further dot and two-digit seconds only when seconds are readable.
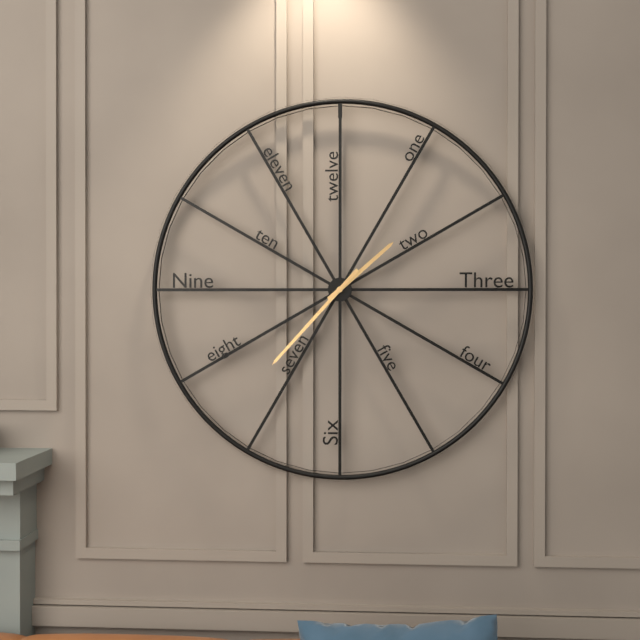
1.37
